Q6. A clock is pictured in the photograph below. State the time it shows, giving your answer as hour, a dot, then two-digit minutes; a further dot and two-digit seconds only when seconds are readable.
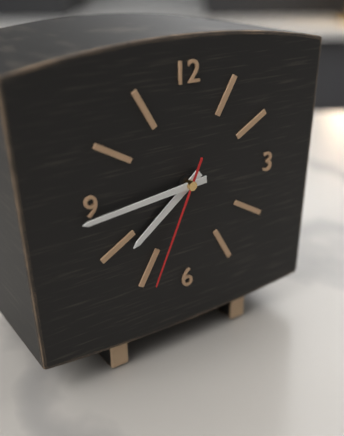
7.44.34
